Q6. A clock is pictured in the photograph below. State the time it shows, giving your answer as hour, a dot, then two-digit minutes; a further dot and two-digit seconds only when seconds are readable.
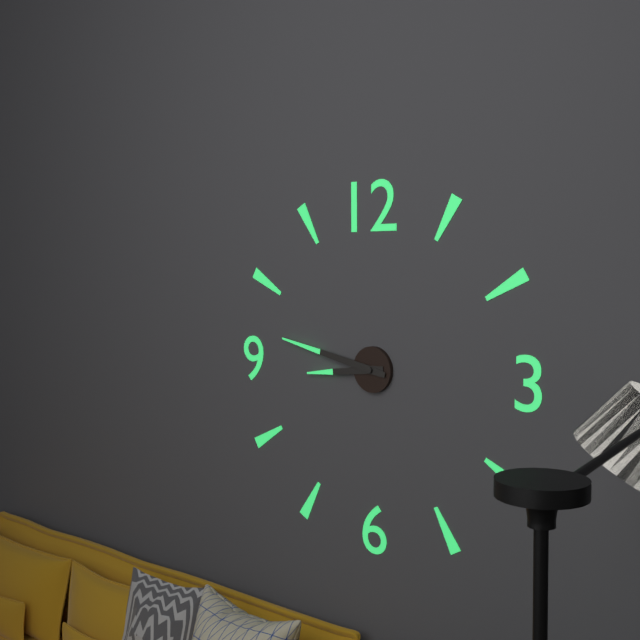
8.47
